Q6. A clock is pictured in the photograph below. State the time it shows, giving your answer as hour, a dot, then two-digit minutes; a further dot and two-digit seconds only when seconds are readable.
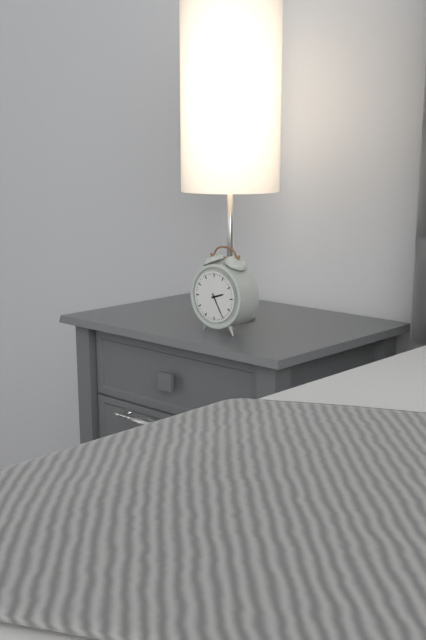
2.25
